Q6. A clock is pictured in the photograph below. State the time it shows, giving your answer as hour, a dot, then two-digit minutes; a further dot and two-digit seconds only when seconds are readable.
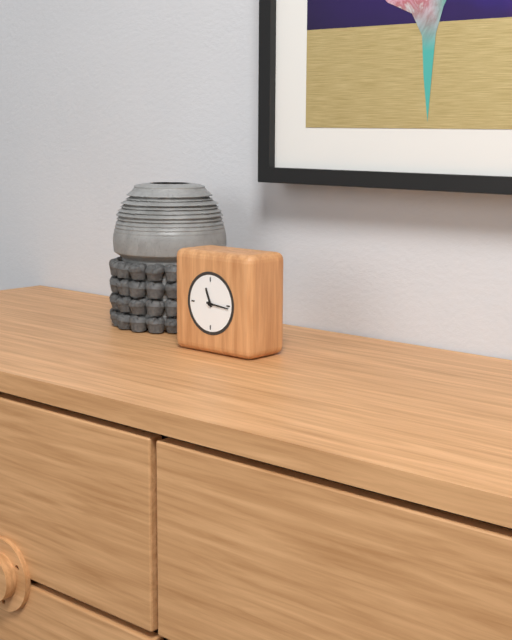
11.16
